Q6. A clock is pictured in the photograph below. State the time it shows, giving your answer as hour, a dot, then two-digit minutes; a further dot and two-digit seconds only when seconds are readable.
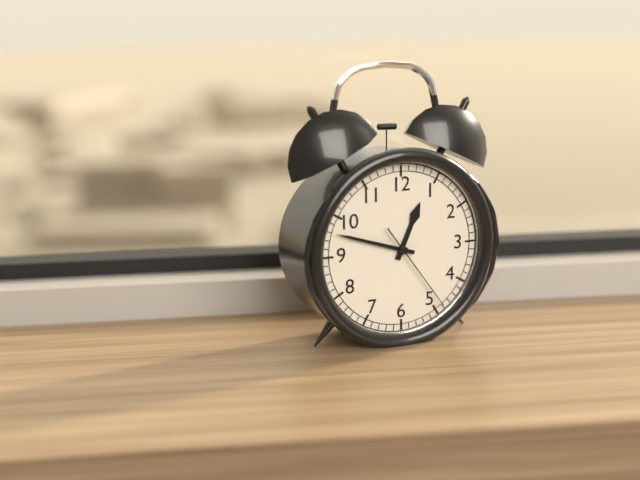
12.48.24
